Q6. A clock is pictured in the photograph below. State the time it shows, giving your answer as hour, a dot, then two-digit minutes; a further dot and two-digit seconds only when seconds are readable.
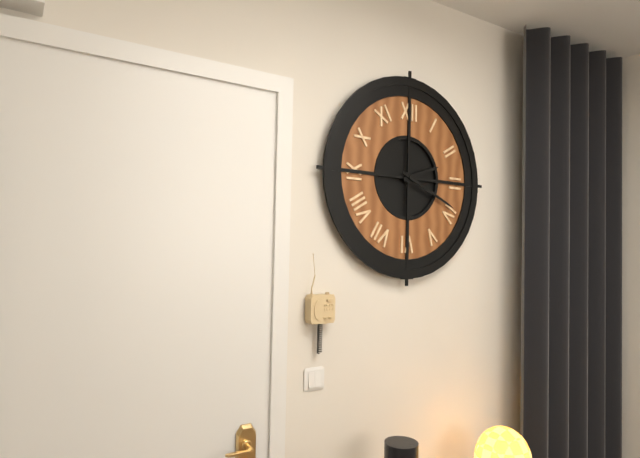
2.19
